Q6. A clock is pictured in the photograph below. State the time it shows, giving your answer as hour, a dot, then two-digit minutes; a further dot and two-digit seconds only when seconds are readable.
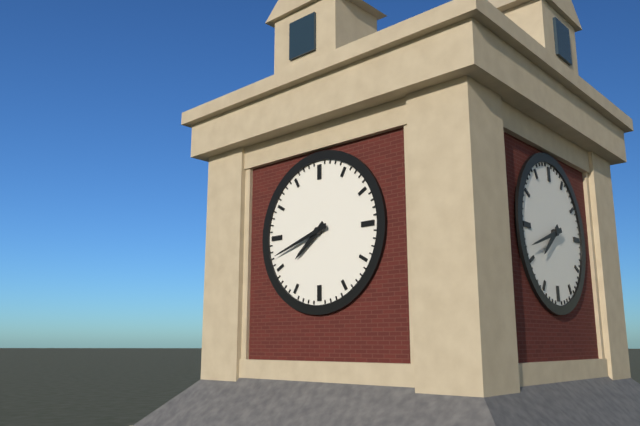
7.42
